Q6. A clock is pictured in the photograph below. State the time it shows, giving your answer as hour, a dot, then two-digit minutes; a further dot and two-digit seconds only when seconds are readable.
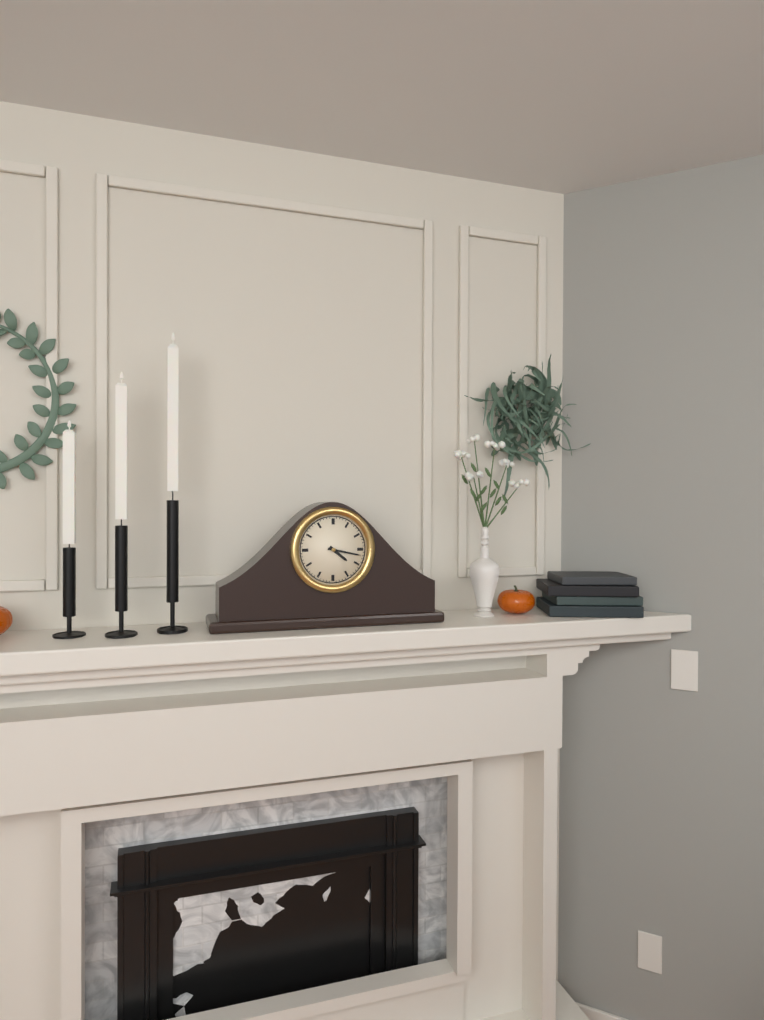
4.17
